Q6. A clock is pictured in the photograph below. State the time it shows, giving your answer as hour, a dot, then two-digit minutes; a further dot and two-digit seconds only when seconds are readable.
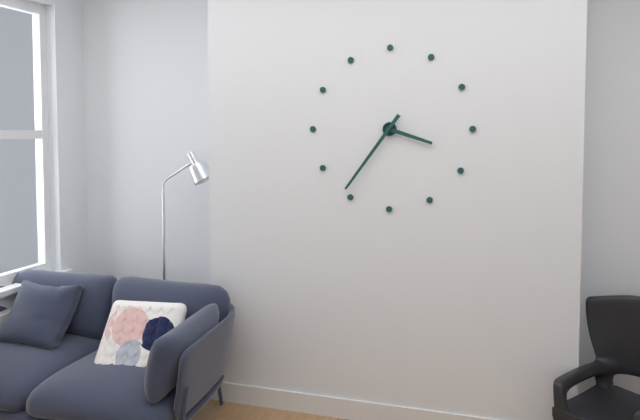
3.36
